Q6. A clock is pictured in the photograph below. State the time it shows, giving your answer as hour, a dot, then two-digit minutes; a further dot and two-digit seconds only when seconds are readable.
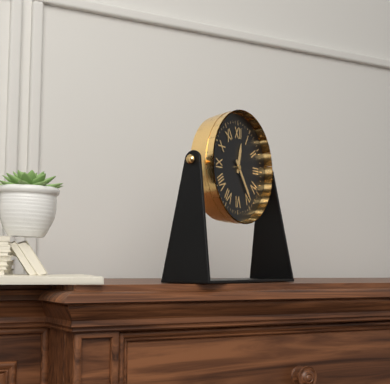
12.24
